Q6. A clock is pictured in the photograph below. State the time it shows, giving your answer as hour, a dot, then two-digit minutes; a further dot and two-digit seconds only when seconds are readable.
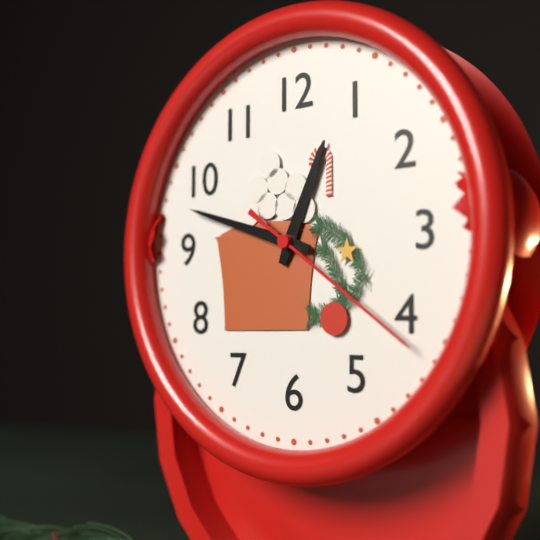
12.48.21
